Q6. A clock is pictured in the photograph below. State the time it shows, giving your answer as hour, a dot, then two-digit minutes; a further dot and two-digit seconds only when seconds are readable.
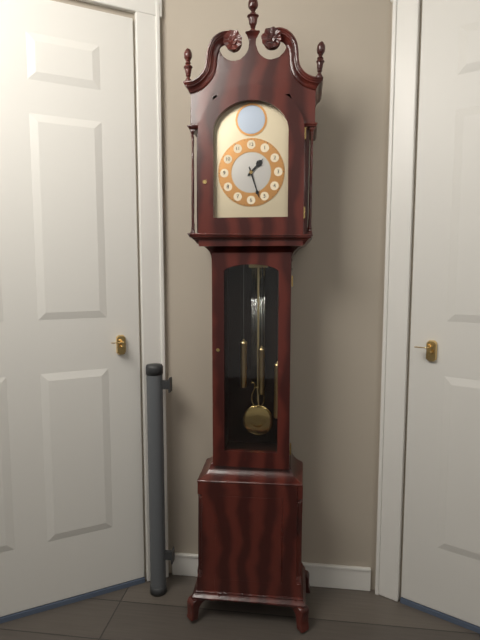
1.27
